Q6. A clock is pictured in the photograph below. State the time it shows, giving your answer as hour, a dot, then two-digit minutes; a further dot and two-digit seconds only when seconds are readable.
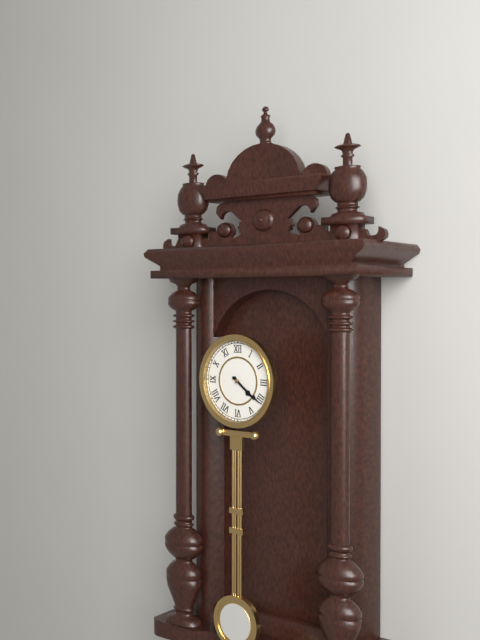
4.21
